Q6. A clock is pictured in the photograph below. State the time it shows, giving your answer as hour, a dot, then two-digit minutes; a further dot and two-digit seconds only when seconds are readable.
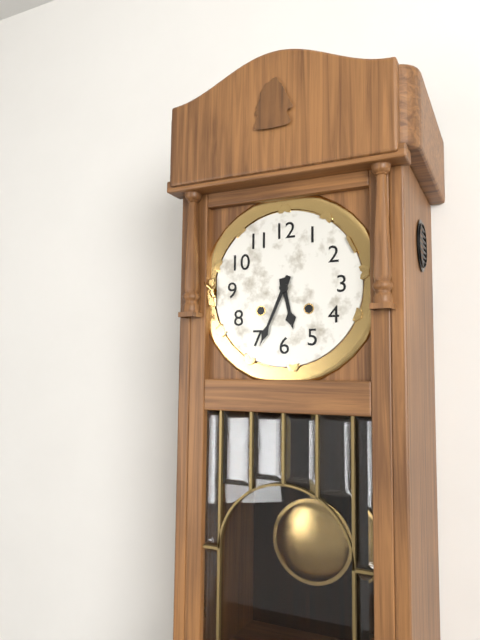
5.34
